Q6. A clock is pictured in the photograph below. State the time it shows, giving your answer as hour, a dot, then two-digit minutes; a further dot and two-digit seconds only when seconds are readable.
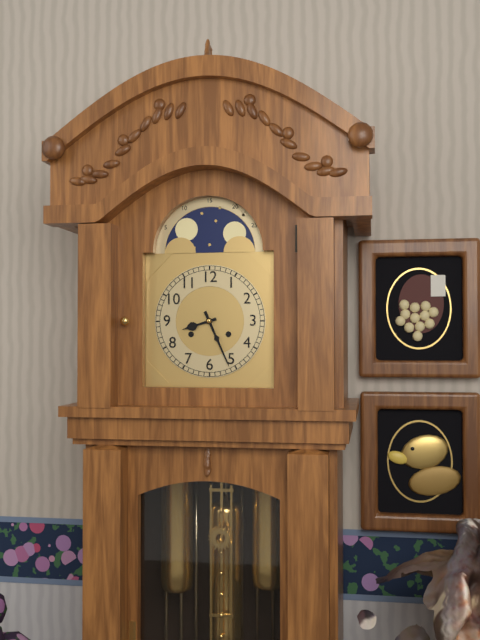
8.26
